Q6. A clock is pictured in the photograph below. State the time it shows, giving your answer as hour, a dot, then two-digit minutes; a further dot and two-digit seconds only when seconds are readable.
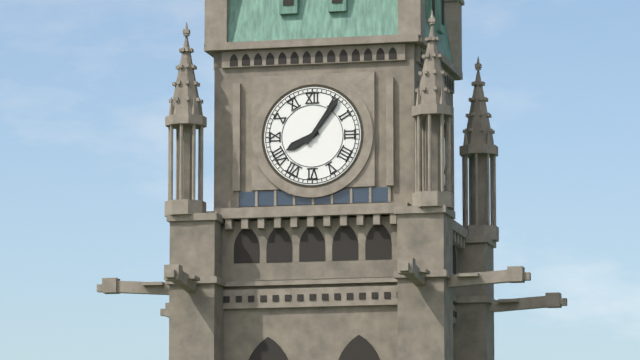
8.06
